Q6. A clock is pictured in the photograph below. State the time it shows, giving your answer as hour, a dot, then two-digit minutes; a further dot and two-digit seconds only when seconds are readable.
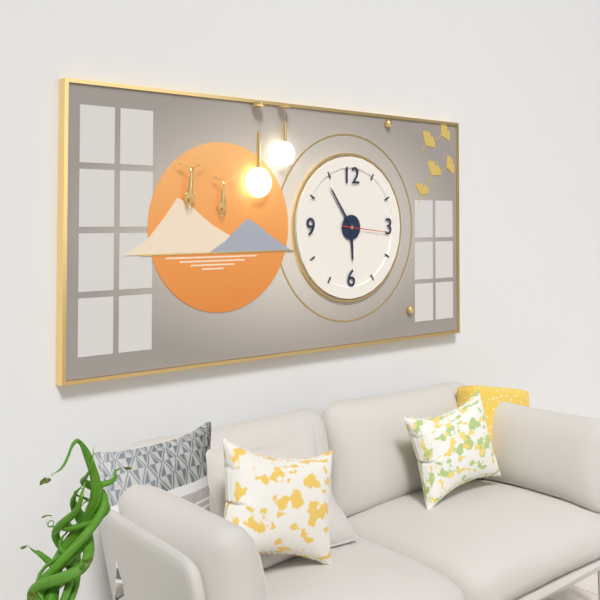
5.54
